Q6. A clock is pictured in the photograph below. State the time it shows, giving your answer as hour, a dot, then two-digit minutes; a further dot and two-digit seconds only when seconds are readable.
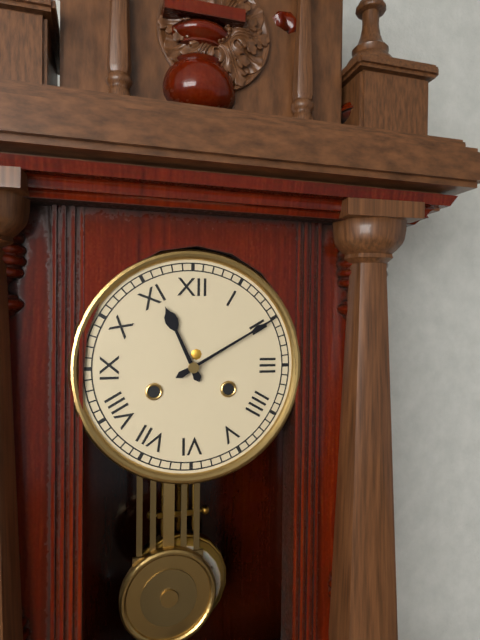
11.10
